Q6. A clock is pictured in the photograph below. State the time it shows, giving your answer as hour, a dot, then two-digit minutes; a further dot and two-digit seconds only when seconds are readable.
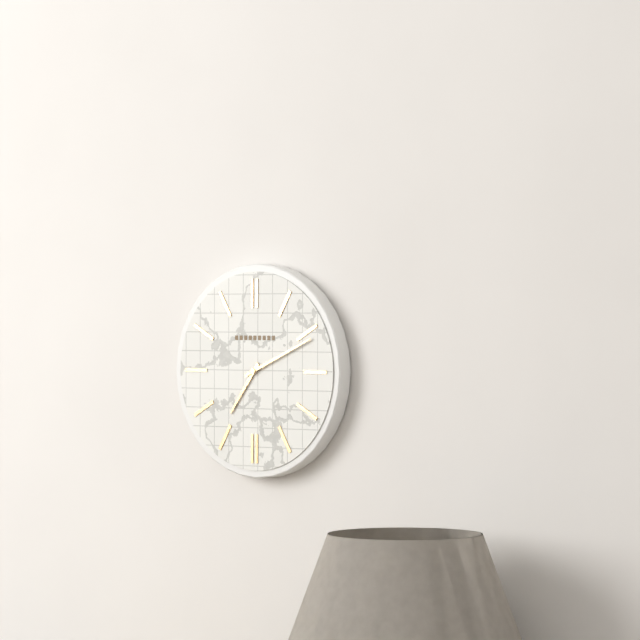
7.11
